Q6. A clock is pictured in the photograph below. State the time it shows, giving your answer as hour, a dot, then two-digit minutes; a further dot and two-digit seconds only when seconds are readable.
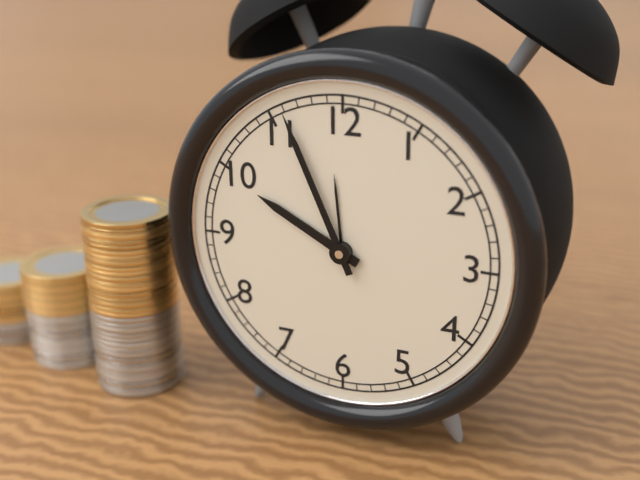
9.56
